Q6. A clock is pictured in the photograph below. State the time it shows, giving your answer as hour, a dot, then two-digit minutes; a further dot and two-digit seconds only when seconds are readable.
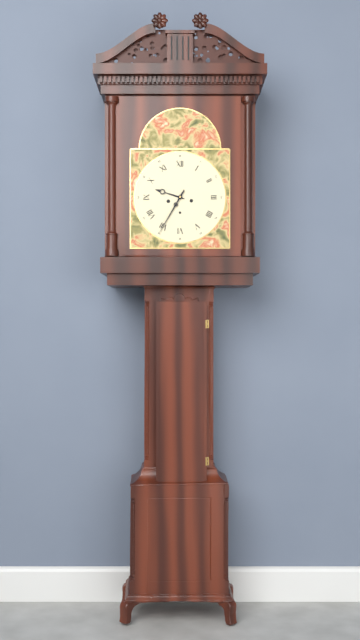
9.35
